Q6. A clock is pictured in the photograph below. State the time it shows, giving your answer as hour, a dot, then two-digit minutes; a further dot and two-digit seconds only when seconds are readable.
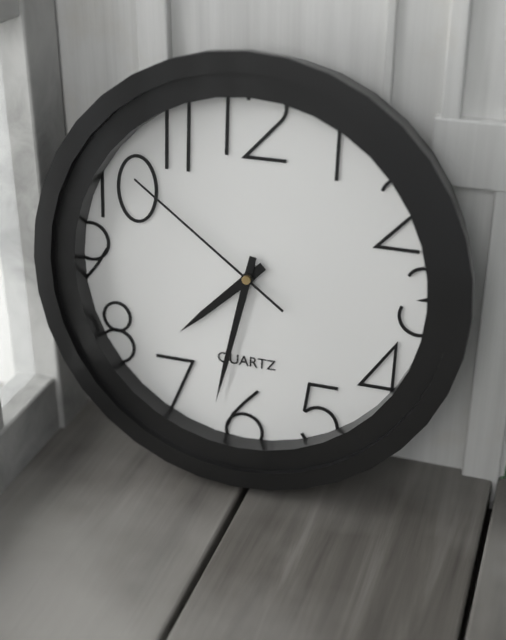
7.32.51
